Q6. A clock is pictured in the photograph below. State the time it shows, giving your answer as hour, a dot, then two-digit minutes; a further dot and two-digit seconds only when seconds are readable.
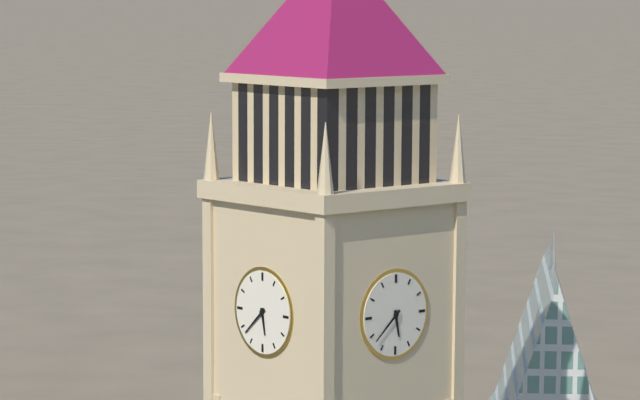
5.38
